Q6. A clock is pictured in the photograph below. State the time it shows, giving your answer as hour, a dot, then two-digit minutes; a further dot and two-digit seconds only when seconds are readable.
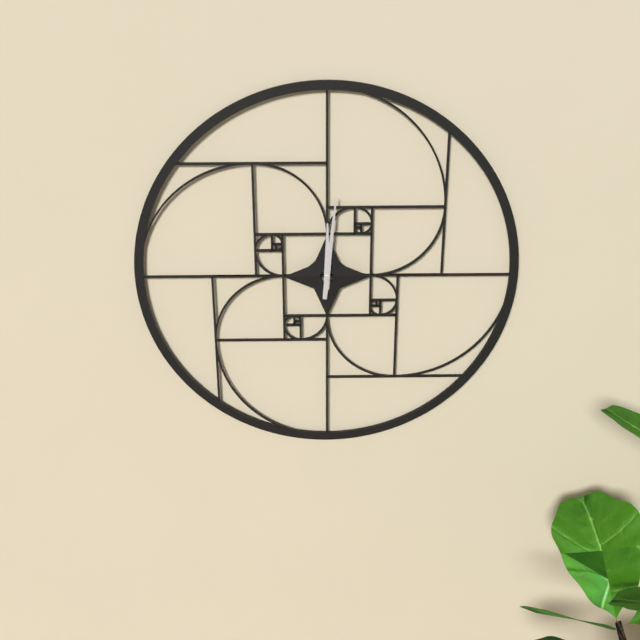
12.01
